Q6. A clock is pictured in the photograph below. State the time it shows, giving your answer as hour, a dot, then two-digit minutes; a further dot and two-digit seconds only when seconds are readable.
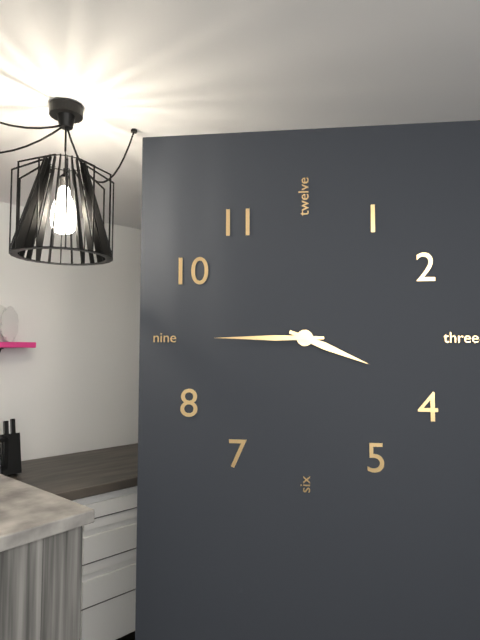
3.45
